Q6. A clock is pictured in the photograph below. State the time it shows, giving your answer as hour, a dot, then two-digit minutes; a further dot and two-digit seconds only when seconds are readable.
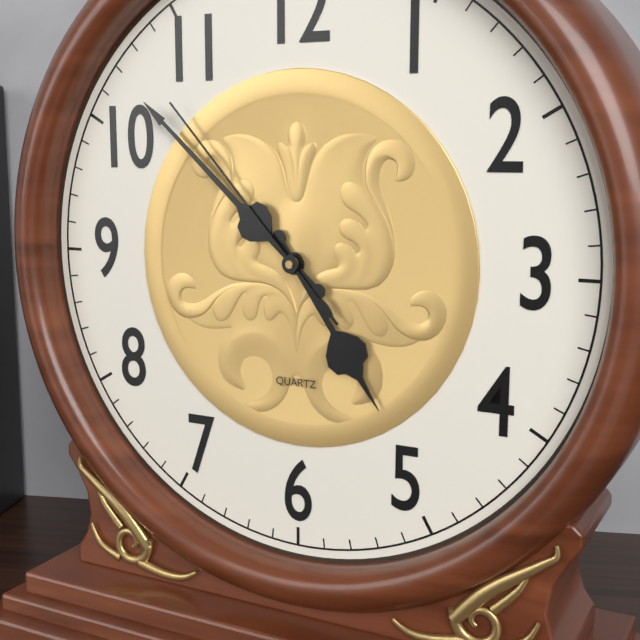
4.52.53
